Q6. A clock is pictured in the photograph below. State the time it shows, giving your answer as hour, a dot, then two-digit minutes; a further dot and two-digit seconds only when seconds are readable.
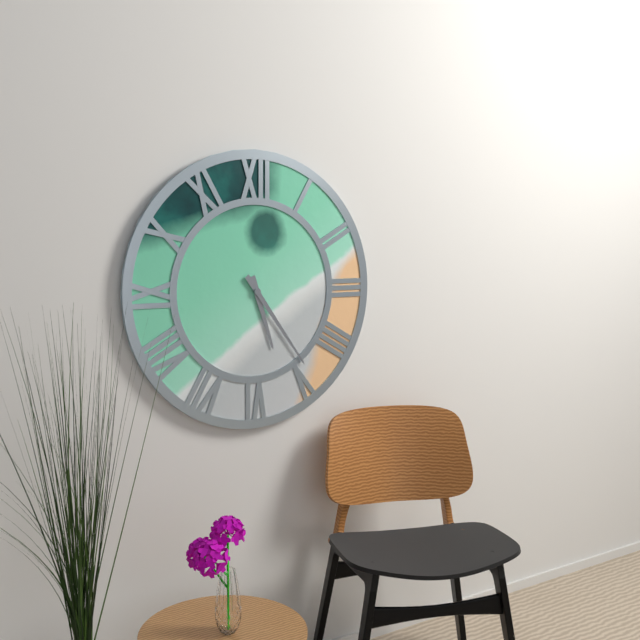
5.24
